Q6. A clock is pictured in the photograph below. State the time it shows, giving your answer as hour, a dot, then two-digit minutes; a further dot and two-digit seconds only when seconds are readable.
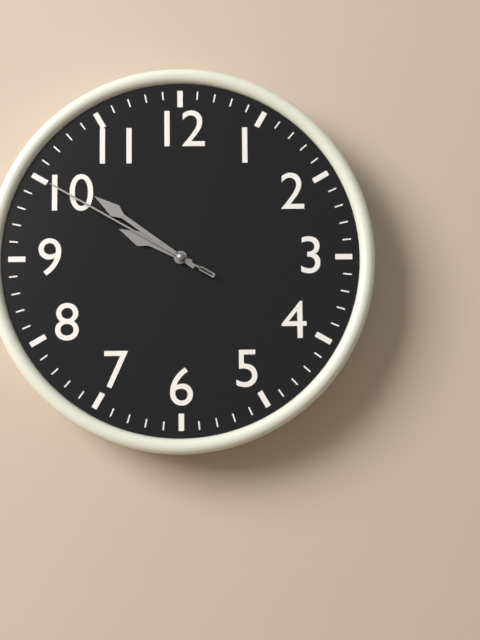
9.51.50
